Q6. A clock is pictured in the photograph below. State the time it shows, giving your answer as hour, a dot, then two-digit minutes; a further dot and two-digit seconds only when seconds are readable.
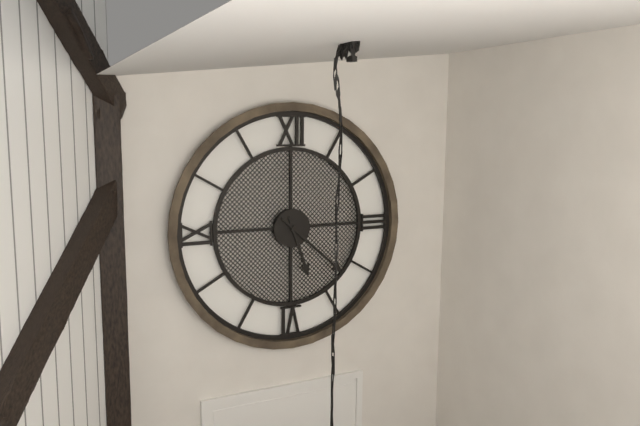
5.22
